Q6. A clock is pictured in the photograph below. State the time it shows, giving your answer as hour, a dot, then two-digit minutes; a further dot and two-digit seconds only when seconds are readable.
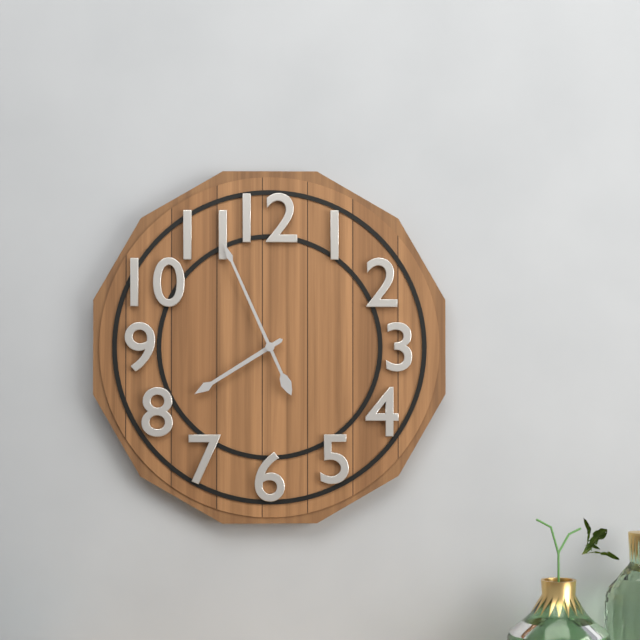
7.56
